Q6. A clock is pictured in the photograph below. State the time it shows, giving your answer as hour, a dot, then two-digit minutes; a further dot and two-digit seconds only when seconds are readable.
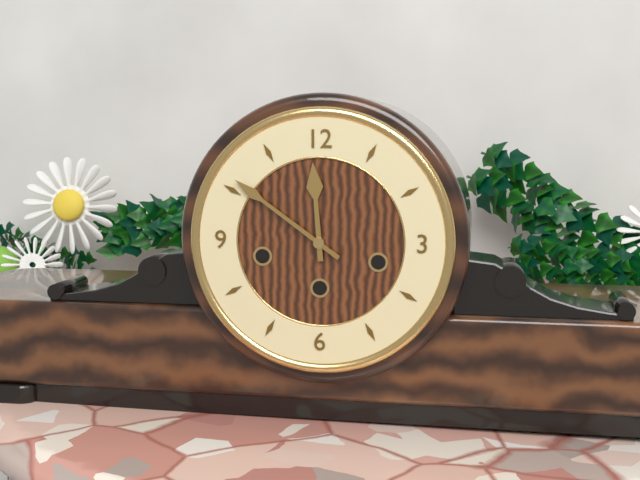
11.51
